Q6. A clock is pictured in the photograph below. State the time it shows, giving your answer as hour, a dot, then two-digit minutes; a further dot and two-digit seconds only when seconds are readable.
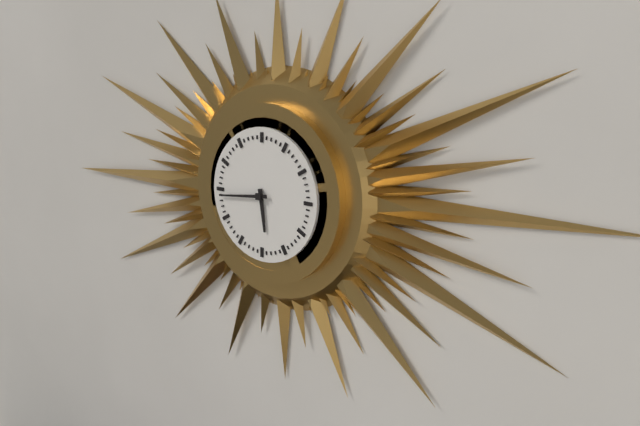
5.44
